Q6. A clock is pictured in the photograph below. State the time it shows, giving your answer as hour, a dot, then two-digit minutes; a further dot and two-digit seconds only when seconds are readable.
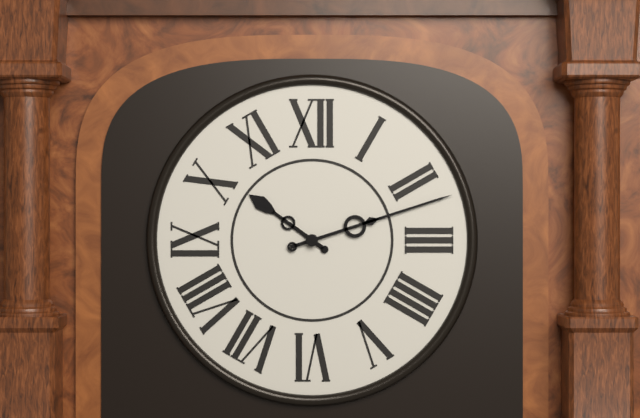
10.12
